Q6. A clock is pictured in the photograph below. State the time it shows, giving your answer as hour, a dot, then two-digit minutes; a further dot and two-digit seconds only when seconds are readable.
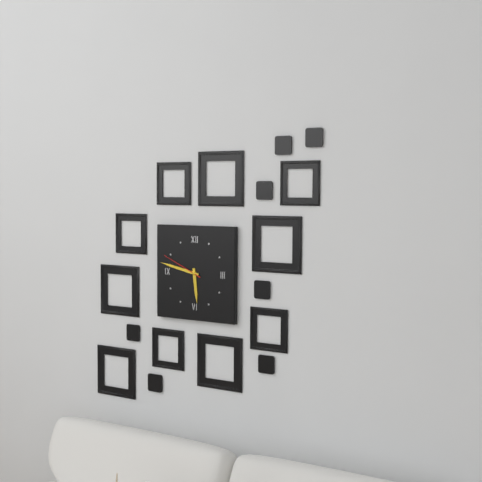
5.47
